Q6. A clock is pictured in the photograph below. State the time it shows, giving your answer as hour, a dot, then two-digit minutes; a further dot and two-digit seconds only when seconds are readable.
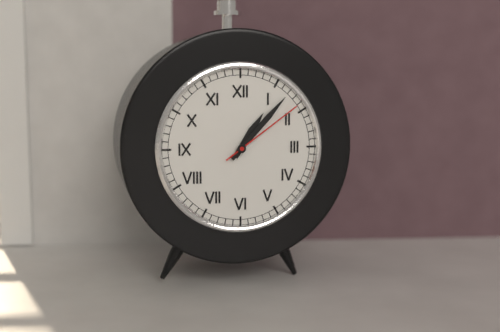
1.07.09
